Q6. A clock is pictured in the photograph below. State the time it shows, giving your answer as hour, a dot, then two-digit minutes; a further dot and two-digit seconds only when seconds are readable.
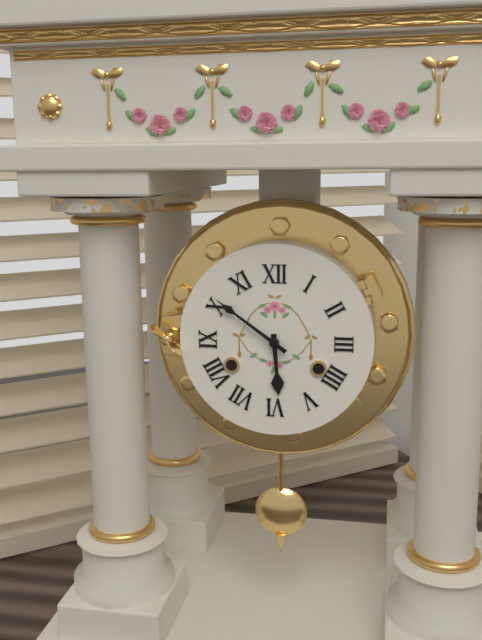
5.51
